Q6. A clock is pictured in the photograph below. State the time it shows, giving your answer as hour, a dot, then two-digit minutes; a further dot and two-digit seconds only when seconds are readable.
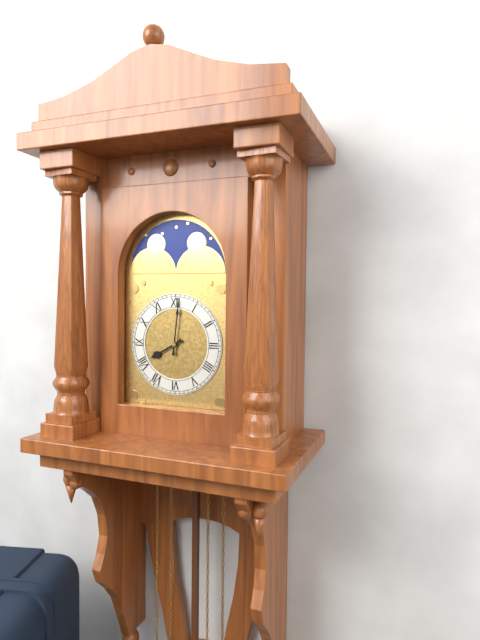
8.01
